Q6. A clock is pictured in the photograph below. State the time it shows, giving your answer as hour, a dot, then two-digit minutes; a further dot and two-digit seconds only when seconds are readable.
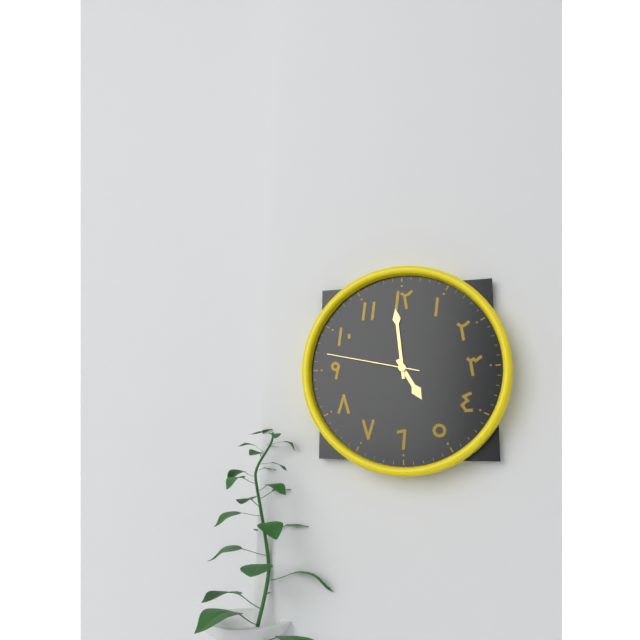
4.59.47
